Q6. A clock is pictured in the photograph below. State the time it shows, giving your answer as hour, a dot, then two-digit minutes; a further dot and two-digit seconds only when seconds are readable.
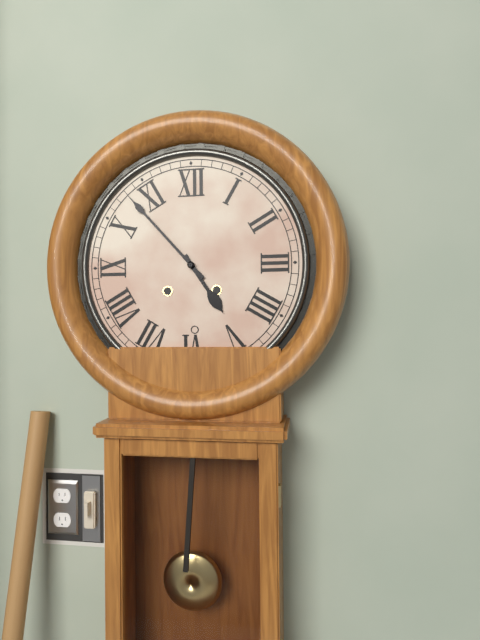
4.53
